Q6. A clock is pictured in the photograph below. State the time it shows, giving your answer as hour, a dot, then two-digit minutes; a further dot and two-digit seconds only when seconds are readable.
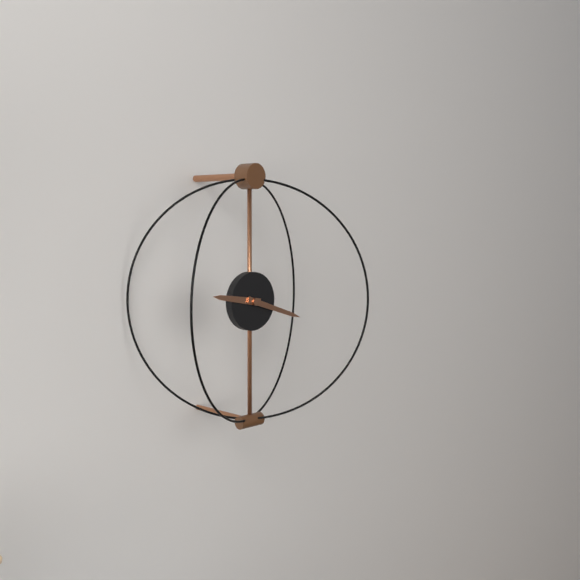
9.18
